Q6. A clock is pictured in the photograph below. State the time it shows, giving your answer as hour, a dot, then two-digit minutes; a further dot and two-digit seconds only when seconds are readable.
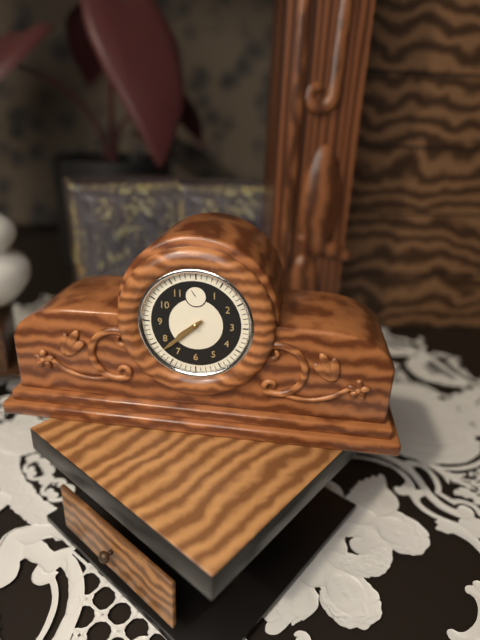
7.38
